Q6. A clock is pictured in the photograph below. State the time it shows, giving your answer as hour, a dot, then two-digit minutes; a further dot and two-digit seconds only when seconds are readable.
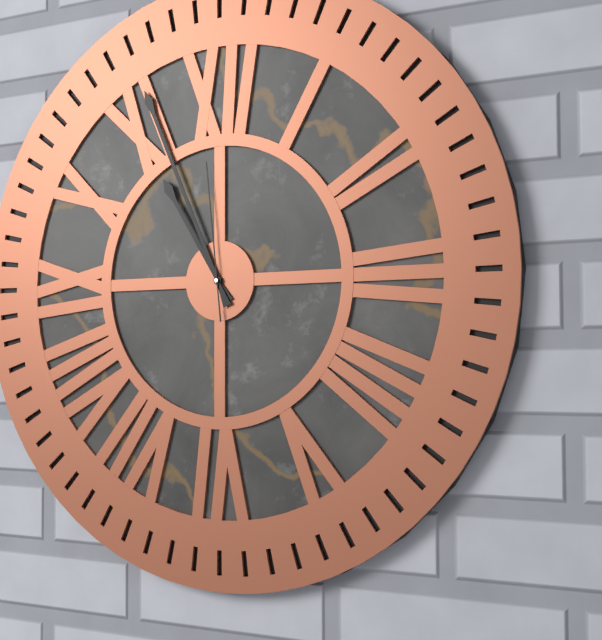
10.56.59
